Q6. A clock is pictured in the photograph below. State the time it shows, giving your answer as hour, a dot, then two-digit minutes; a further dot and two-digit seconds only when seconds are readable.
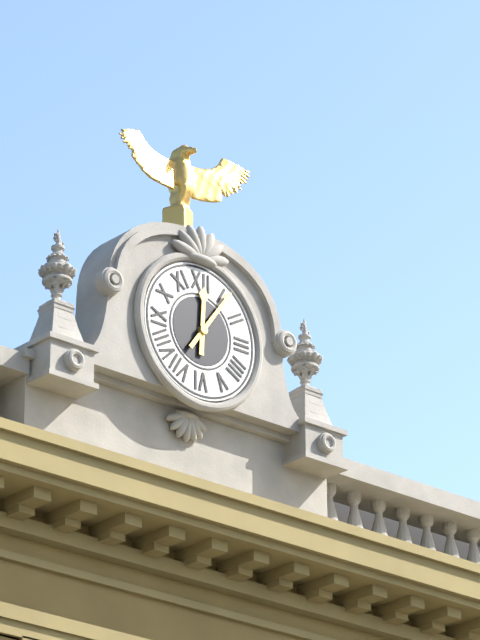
12.06
